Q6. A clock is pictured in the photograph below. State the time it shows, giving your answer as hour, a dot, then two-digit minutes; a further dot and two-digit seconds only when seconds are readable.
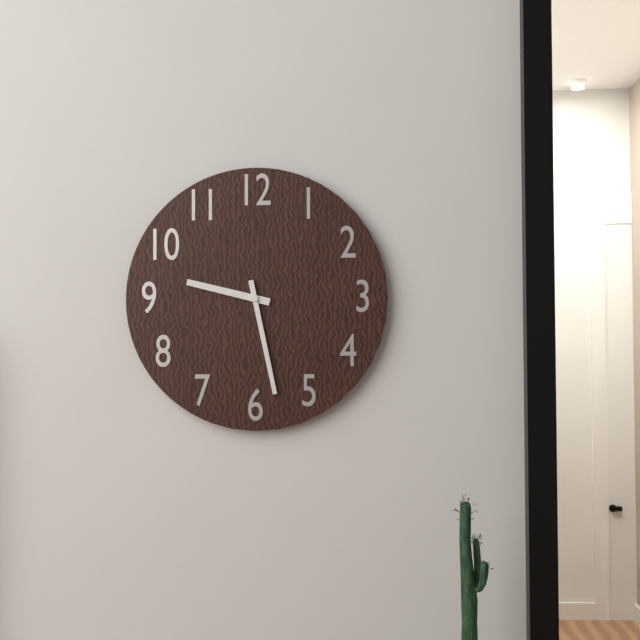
9.28
